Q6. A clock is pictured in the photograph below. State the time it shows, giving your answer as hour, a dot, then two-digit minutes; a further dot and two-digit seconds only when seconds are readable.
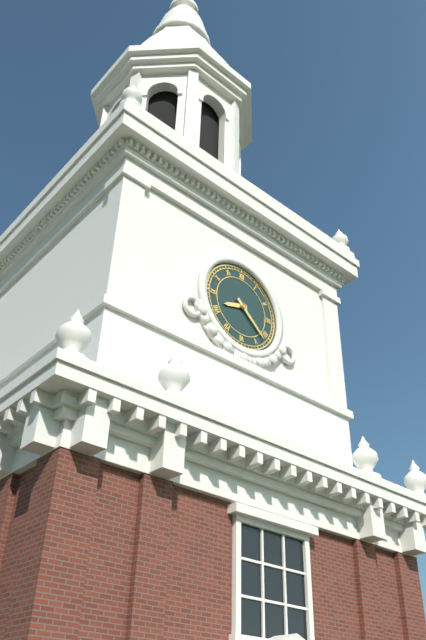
8.22
